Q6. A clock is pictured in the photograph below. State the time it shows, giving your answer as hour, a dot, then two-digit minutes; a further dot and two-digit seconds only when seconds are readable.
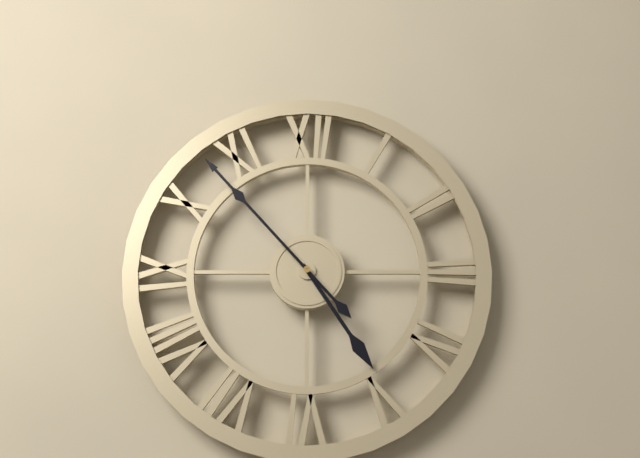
4.53
